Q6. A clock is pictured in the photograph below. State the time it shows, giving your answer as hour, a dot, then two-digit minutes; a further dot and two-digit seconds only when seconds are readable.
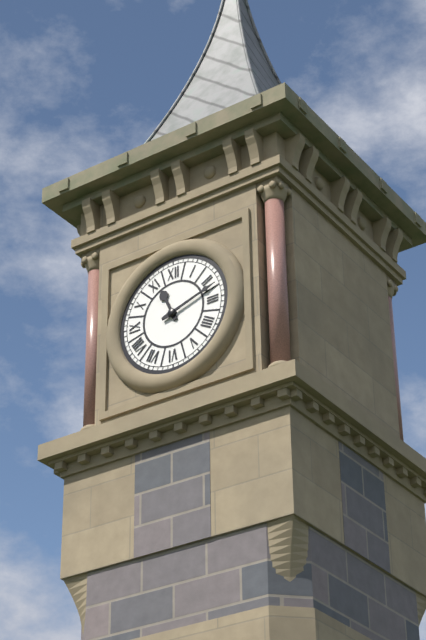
11.12
